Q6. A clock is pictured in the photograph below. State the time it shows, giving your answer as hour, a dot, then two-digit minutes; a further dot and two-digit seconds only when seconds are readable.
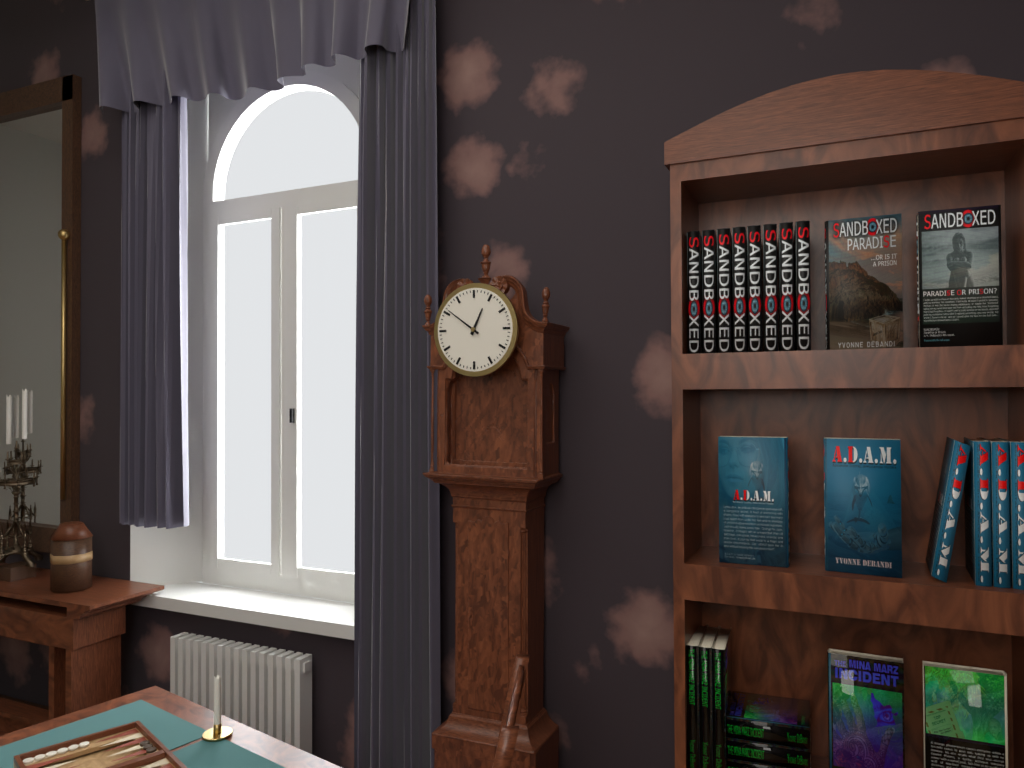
12.51
